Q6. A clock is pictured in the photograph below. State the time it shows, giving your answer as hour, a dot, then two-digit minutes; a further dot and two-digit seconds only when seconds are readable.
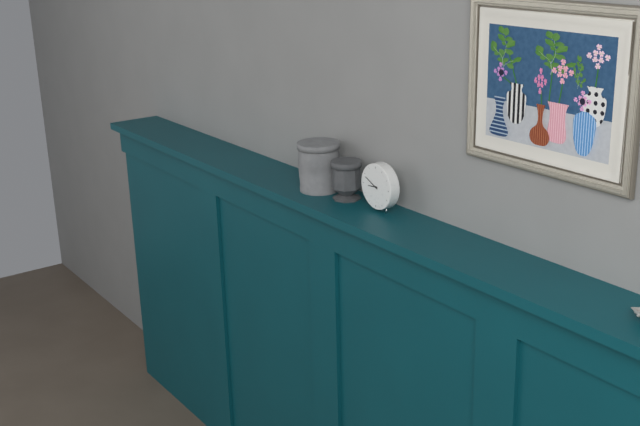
8.49
